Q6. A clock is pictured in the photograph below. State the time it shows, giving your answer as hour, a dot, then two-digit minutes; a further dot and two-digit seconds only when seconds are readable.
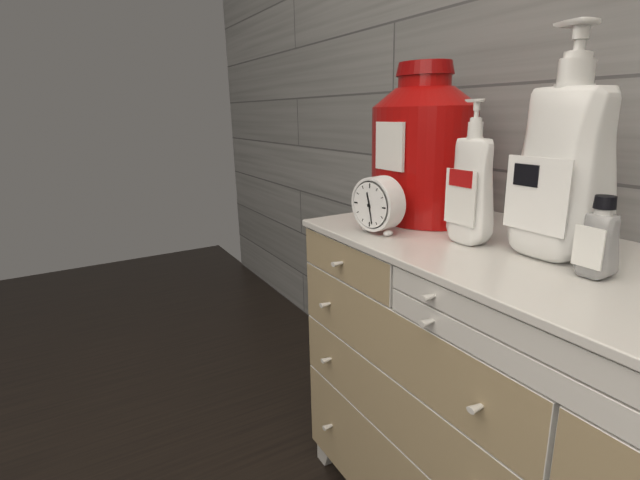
11.28
